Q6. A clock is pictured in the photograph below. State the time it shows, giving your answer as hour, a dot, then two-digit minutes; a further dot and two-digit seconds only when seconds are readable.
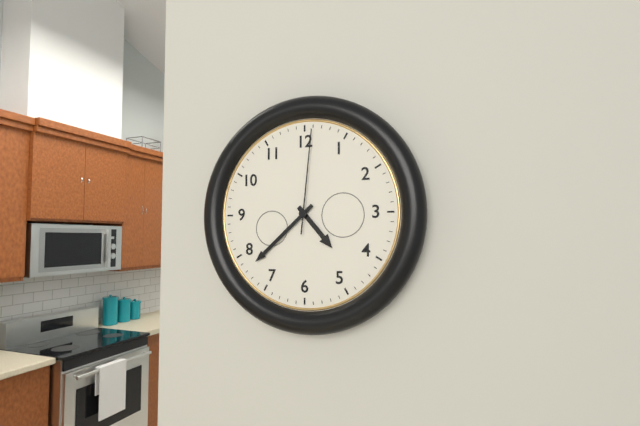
4.38.01
